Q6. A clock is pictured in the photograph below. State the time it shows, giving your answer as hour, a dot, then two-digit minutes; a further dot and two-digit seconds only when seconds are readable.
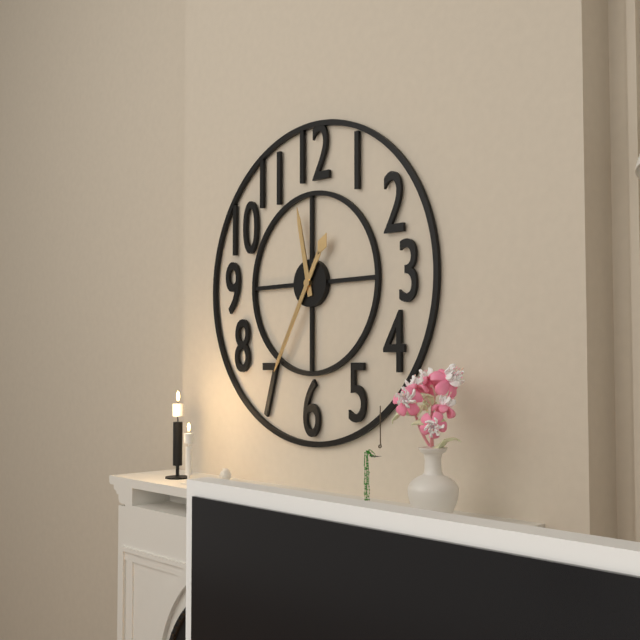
11.35
